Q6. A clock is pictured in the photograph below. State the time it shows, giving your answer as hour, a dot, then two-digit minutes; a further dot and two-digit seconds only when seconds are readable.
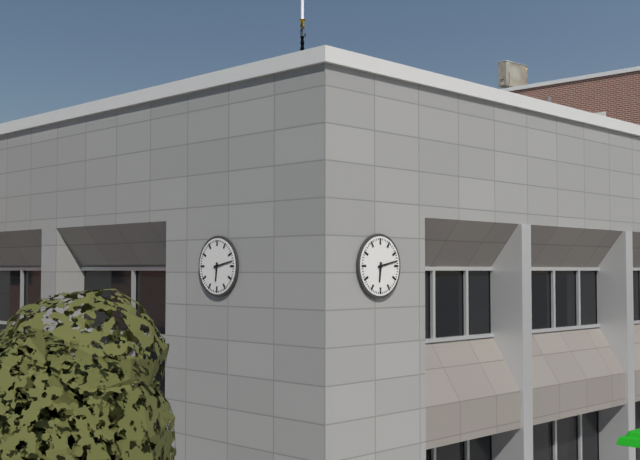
6.13
